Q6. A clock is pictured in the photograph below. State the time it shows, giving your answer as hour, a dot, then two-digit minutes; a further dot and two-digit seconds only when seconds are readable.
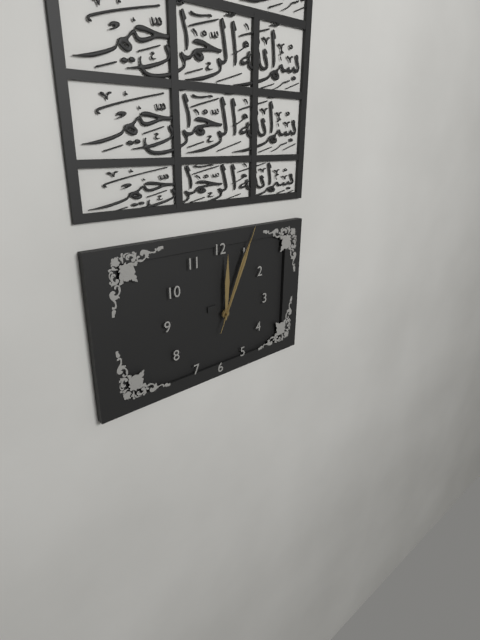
12.04.04
